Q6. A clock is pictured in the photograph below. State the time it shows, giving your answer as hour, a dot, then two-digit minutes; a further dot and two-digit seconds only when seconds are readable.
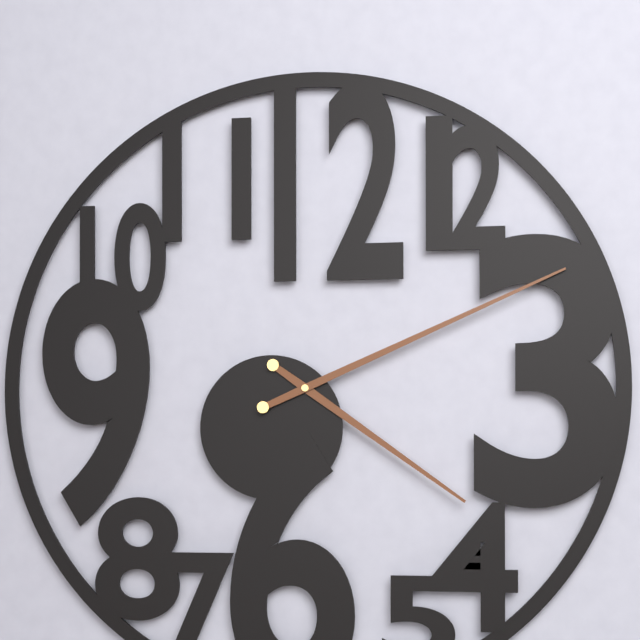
4.11
